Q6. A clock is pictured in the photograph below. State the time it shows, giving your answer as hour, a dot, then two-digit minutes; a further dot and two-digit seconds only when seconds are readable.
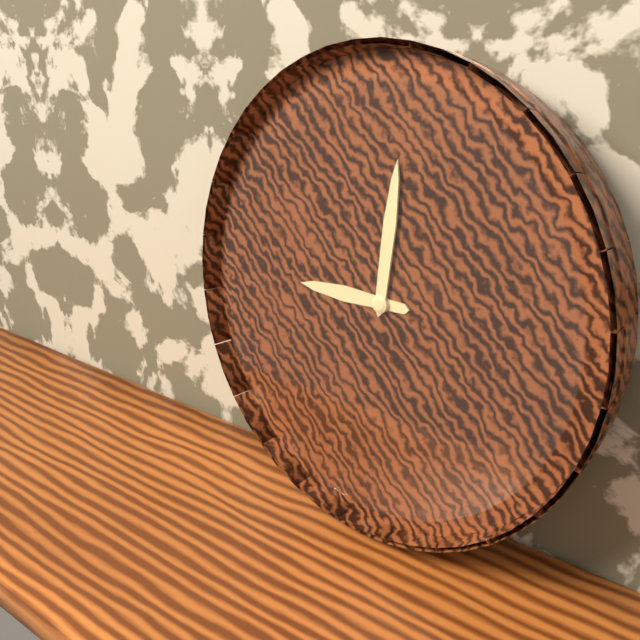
9.01
